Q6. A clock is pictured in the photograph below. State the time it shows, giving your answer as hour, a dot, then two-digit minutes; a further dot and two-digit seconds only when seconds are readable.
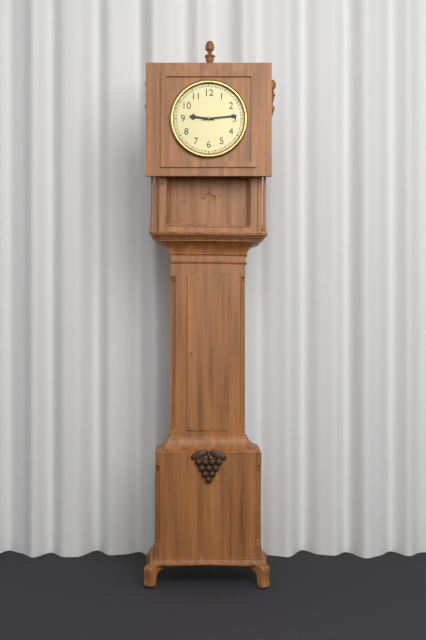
9.14
